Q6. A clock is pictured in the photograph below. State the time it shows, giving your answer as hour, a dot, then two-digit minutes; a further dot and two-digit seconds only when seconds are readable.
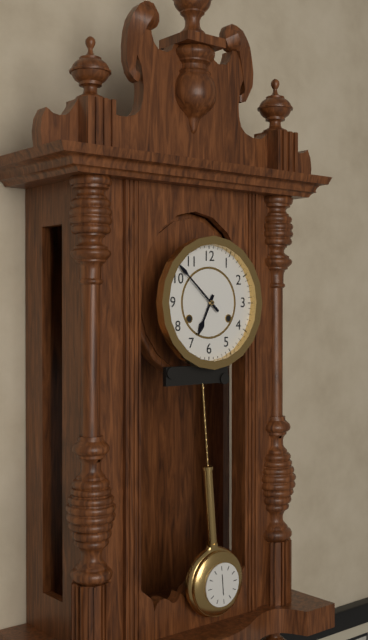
6.52
